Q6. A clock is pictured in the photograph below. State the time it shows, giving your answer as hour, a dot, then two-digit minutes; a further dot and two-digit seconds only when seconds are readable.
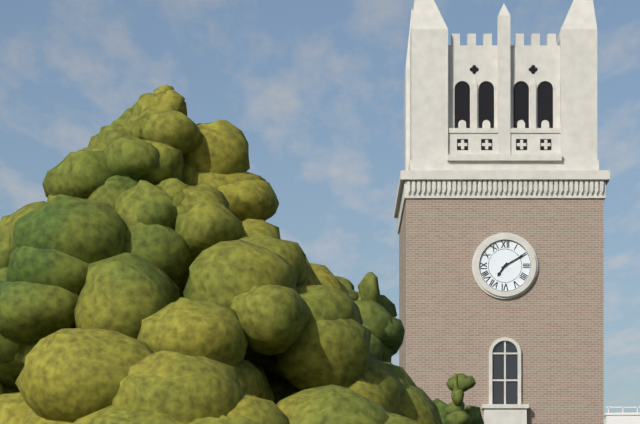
7.10
